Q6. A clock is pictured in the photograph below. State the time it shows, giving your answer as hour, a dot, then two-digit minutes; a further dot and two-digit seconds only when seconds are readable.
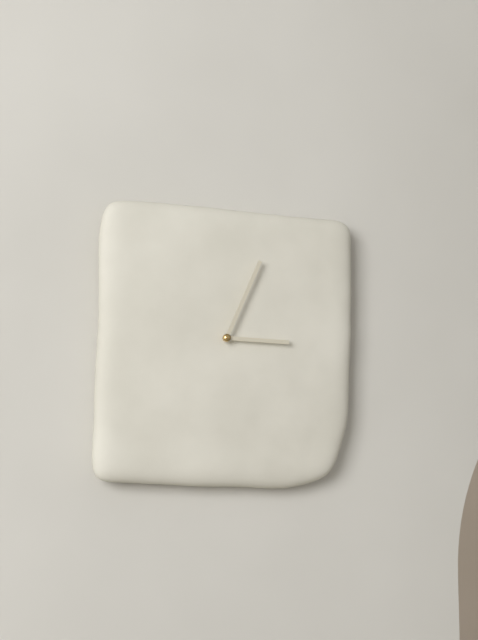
3.04
